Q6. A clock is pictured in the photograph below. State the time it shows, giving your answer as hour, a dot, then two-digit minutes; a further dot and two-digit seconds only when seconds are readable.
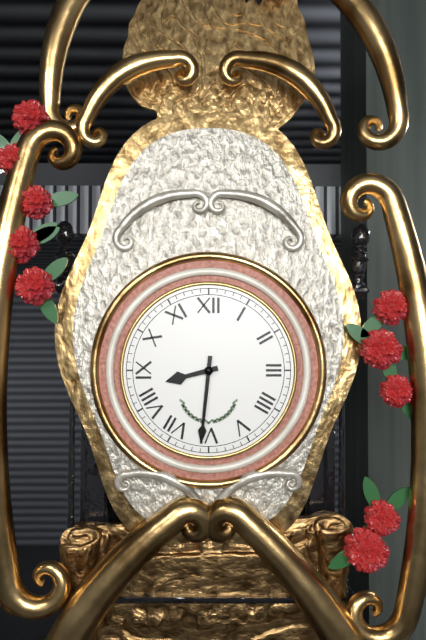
8.31
